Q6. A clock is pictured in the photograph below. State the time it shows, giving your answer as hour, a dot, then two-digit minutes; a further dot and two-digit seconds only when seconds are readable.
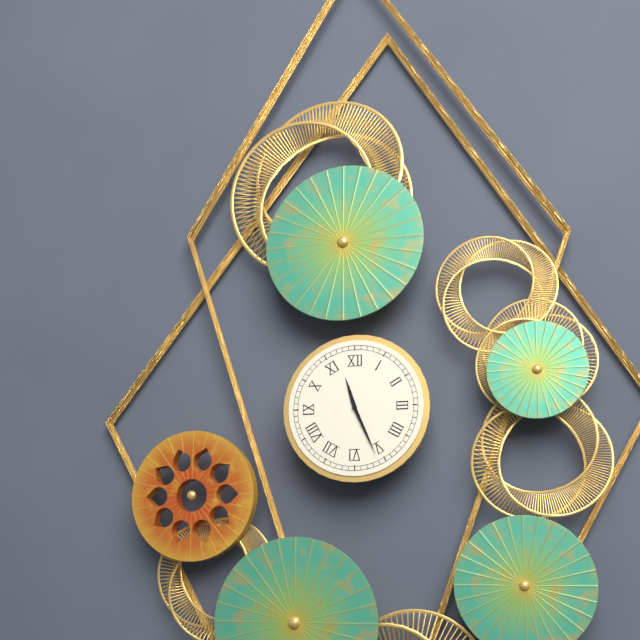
11.26
